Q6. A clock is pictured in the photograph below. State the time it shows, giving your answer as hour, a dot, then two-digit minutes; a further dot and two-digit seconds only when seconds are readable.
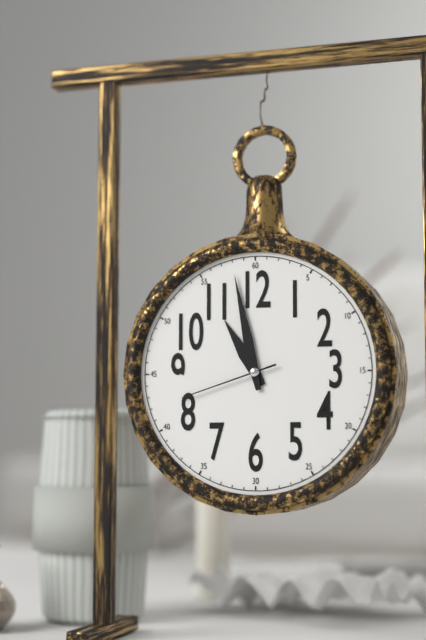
10.58.42
